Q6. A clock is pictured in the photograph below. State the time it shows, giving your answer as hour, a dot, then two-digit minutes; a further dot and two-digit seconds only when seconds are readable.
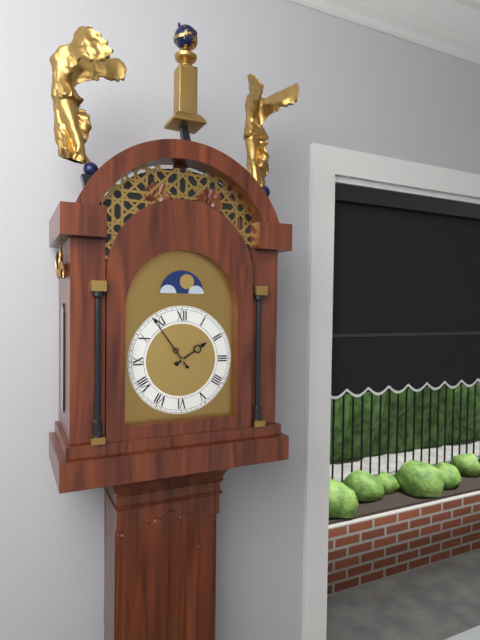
1.54
